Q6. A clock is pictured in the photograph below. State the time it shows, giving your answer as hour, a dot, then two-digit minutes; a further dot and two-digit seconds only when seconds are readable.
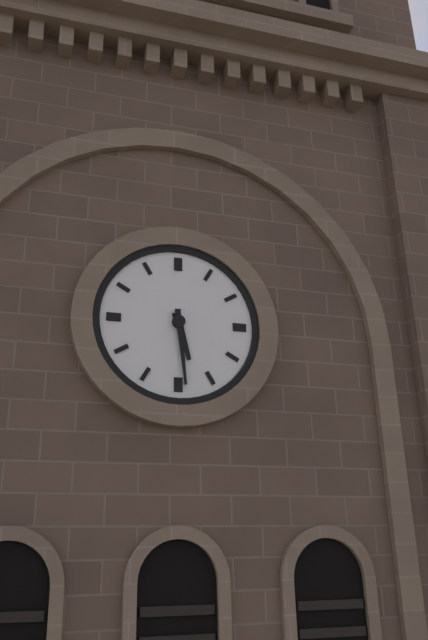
5.29
